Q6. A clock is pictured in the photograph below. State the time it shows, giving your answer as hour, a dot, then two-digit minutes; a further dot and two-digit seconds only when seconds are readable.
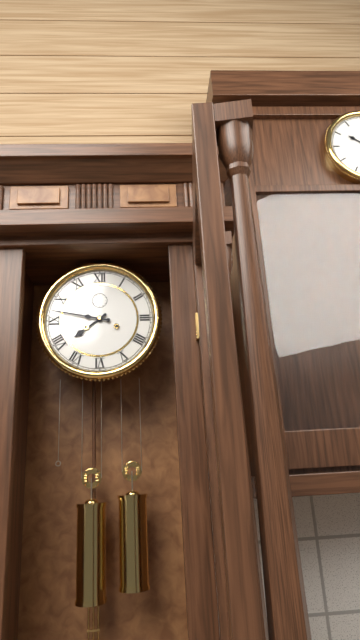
7.47
